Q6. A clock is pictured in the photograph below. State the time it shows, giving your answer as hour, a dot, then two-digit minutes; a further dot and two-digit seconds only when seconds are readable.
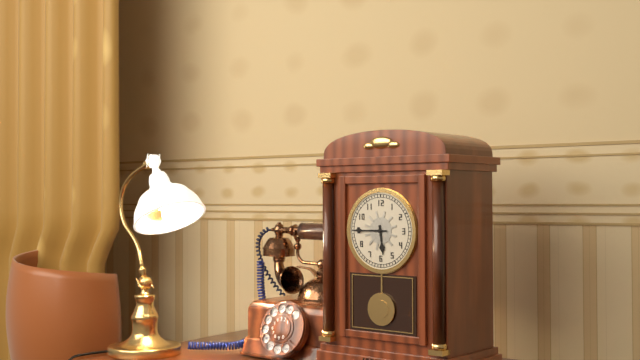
5.45
